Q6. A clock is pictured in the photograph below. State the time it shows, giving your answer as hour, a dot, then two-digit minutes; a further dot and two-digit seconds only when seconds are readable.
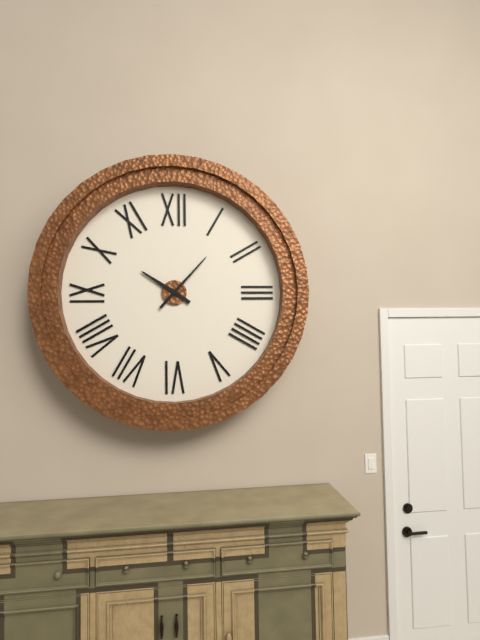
10.07
